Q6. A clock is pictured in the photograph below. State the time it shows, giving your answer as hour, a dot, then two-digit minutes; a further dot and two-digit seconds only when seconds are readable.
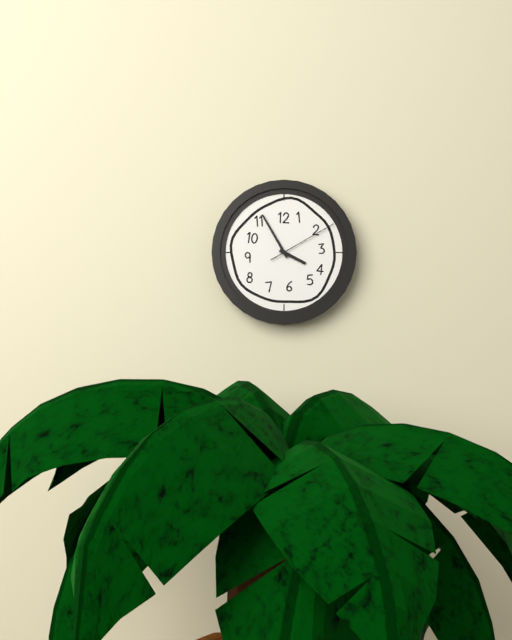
3.55.10
